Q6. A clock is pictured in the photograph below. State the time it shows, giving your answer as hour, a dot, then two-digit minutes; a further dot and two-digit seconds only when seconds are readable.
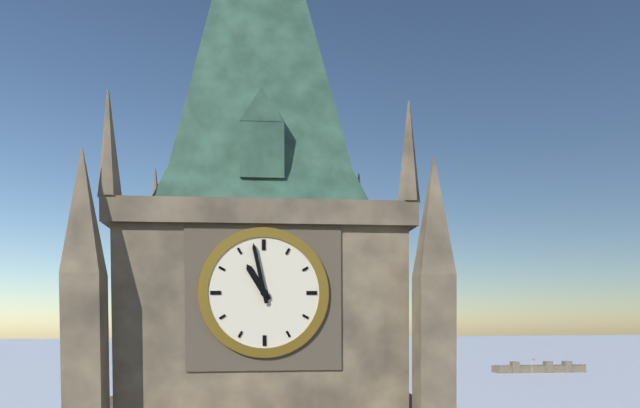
10.58
